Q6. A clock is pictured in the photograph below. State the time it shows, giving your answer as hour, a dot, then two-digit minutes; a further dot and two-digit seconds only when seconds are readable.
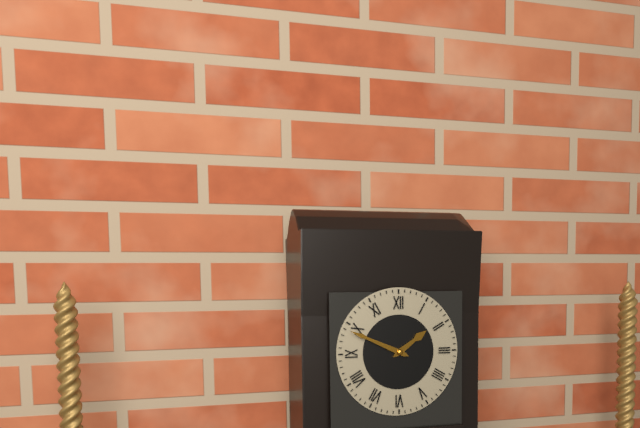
1.49
